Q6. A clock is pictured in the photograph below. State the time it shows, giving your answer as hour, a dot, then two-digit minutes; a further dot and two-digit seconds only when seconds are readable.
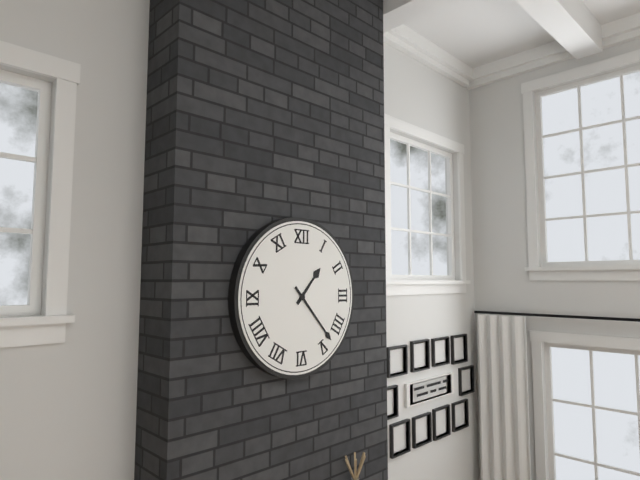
1.23
